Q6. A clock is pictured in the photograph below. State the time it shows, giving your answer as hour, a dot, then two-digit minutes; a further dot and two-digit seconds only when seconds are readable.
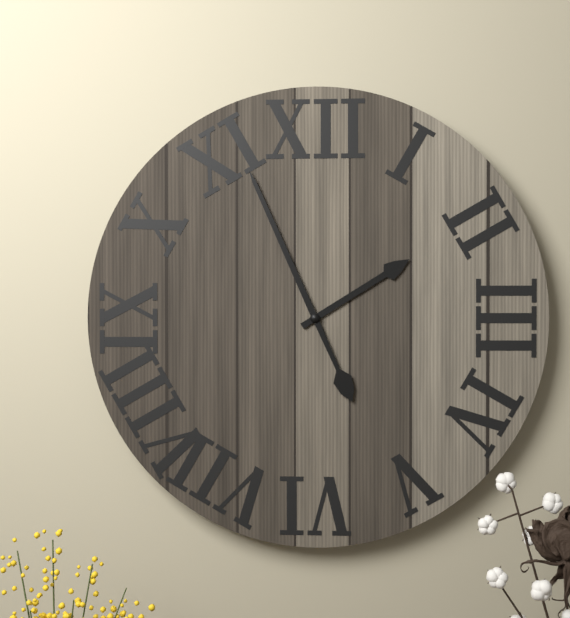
1.56
